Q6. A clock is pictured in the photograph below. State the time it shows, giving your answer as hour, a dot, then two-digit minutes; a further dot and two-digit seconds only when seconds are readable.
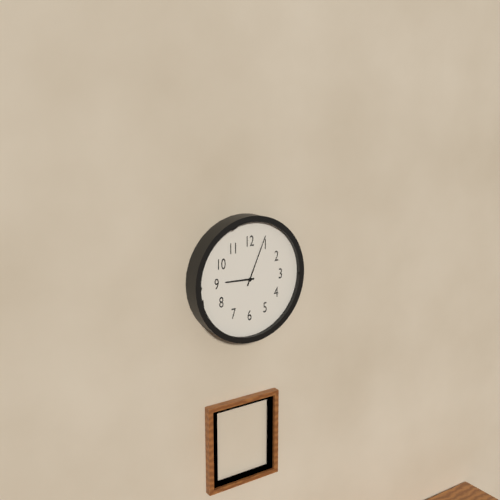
9.04
